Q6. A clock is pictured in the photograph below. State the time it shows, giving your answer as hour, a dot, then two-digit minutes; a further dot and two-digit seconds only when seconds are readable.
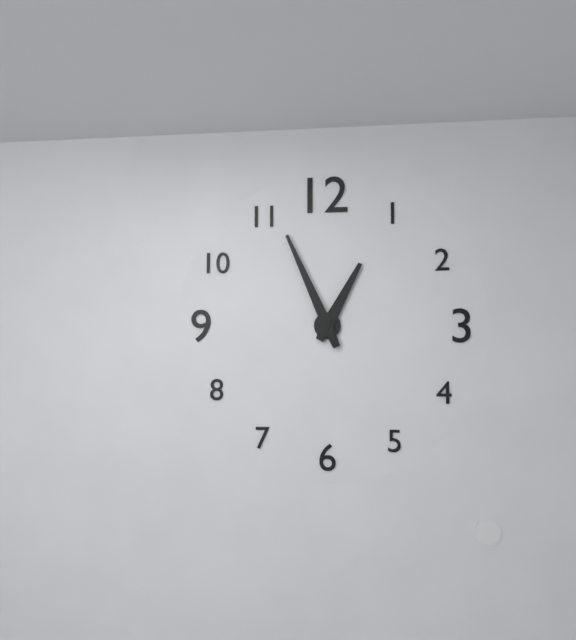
12.56
